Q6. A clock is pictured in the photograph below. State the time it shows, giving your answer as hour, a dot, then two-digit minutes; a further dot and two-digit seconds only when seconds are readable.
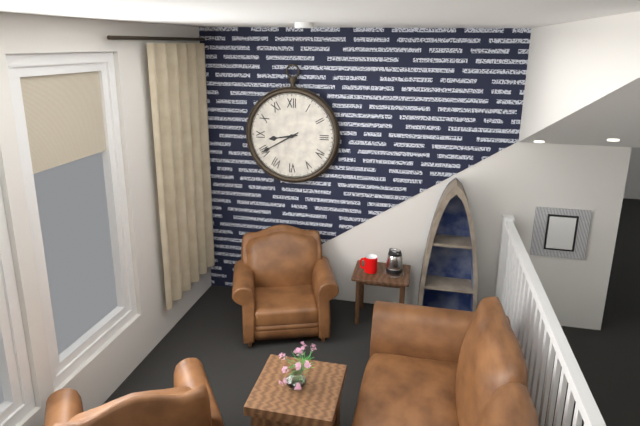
8.40
